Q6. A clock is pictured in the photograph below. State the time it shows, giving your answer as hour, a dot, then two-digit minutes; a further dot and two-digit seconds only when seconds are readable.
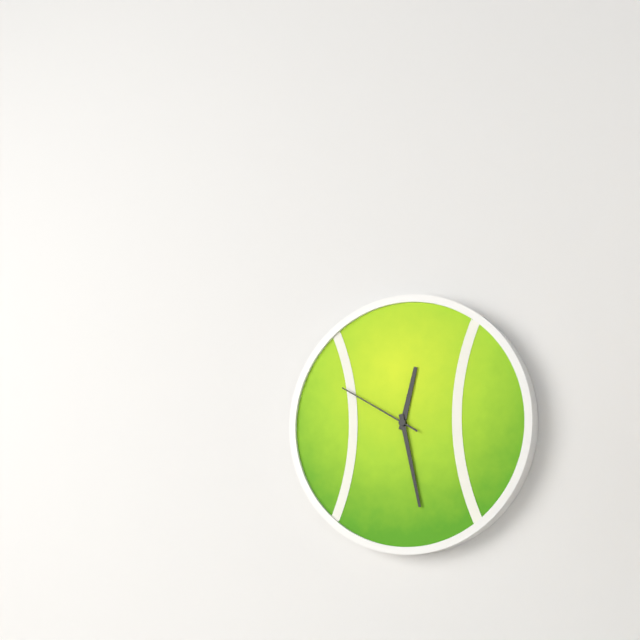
12.28.50
